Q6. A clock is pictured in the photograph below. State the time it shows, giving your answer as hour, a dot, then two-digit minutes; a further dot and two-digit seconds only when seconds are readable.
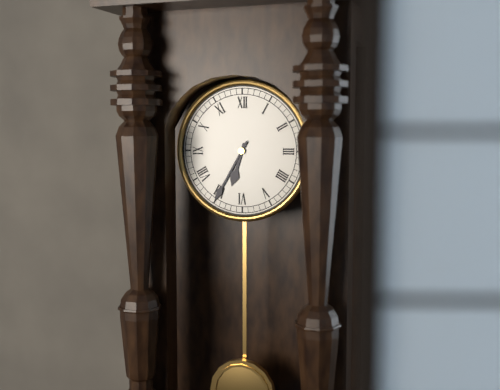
6.35
